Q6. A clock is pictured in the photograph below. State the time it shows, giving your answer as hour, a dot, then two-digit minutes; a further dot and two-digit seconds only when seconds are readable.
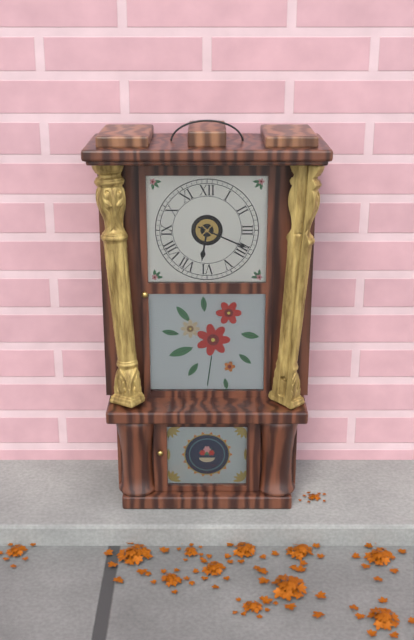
6.19
